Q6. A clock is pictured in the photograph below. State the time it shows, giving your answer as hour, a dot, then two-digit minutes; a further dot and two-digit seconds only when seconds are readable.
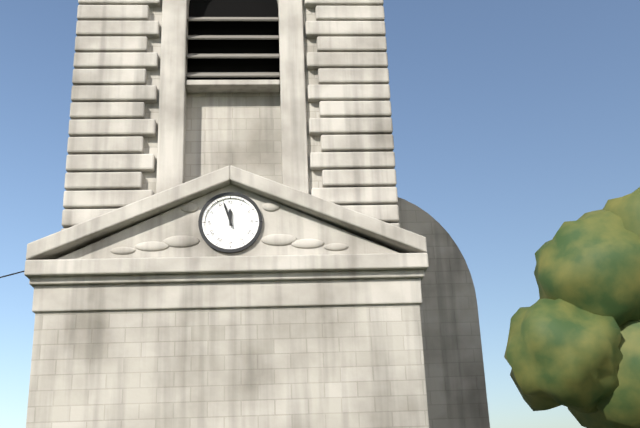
11.57
